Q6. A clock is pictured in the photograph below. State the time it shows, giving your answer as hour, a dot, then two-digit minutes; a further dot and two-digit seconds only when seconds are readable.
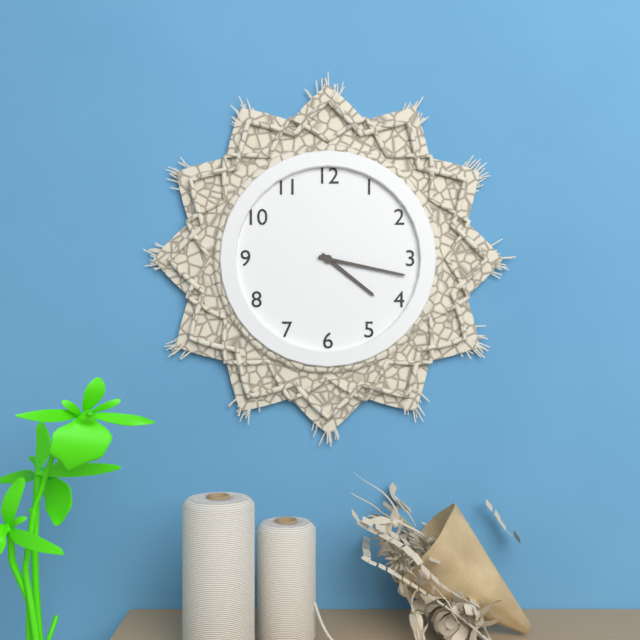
4.17
